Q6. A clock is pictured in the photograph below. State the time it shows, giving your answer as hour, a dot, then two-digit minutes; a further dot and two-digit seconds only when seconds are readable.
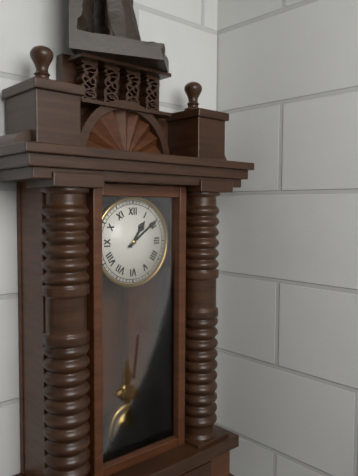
1.09
